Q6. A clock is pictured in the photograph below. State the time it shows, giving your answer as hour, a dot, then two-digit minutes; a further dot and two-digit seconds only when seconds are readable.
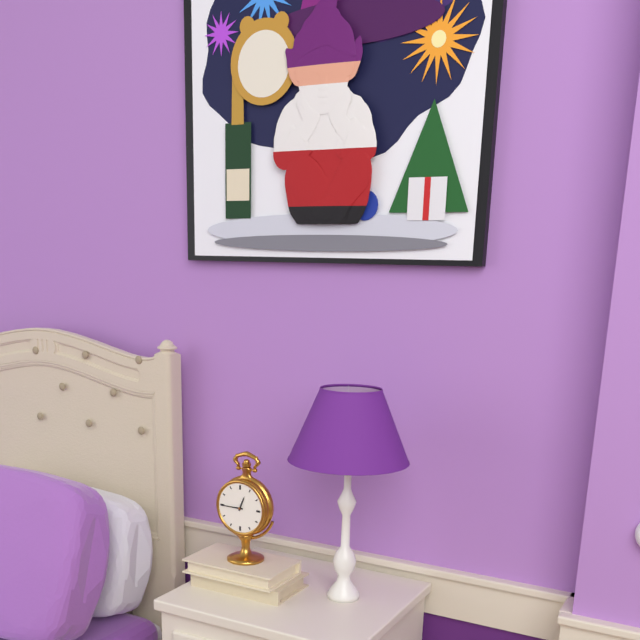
12.45
